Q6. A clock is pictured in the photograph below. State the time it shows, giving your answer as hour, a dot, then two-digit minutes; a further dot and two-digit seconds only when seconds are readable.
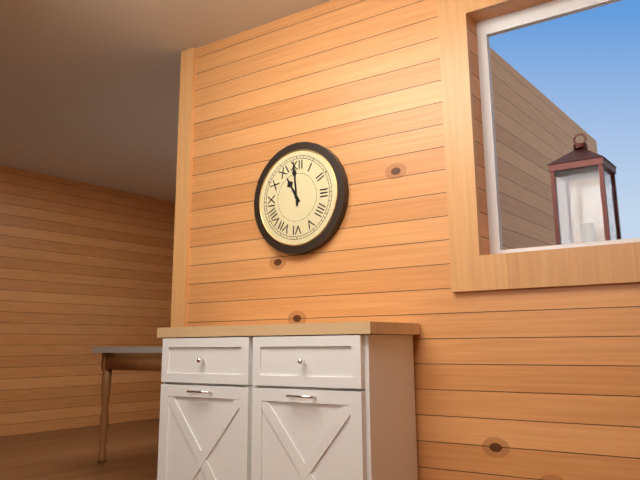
10.59
